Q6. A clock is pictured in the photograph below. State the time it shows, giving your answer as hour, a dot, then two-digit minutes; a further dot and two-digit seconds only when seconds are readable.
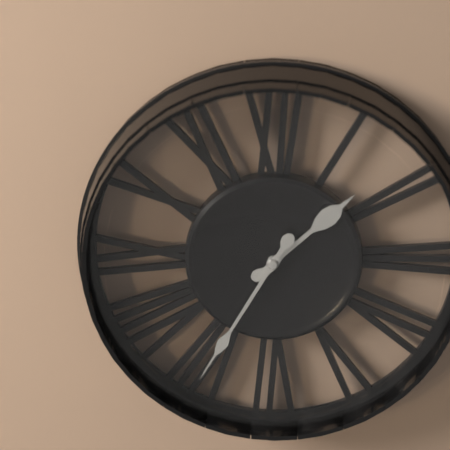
1.35
